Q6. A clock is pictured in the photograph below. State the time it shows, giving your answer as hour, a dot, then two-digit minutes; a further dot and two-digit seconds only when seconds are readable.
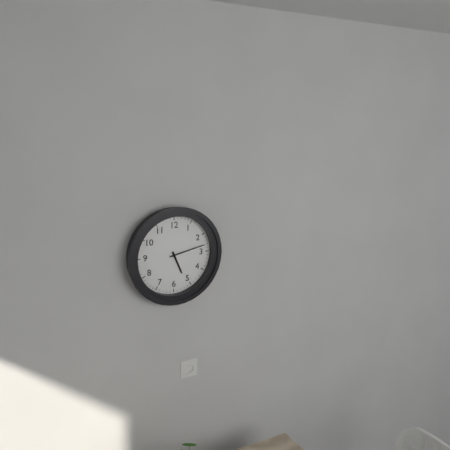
5.13
